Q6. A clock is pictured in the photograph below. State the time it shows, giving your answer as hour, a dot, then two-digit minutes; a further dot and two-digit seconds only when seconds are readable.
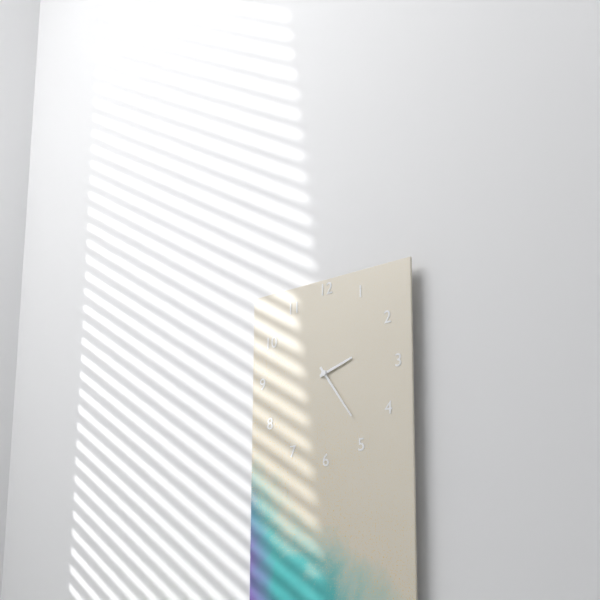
2.24
